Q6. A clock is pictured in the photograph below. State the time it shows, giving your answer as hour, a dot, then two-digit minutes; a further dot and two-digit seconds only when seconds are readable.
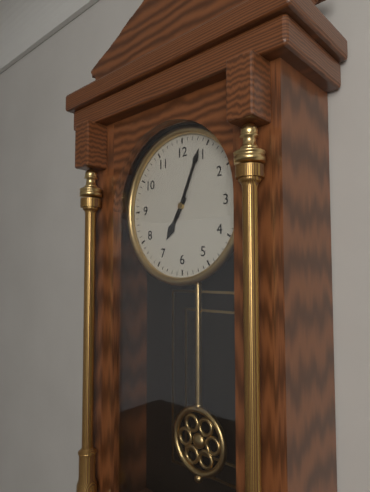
7.04
